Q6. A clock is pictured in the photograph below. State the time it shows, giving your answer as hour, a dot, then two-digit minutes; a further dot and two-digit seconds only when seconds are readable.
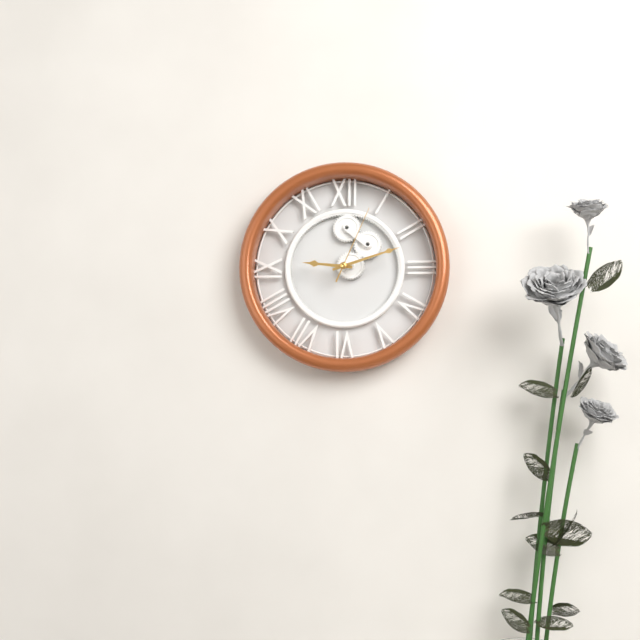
9.12.04
